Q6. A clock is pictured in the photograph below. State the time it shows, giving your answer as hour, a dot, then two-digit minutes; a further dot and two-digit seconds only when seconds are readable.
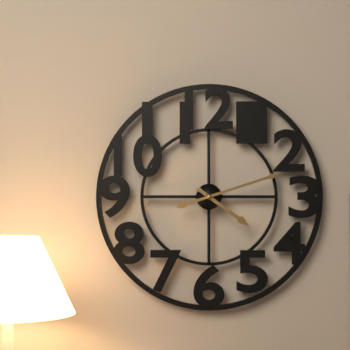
4.12
